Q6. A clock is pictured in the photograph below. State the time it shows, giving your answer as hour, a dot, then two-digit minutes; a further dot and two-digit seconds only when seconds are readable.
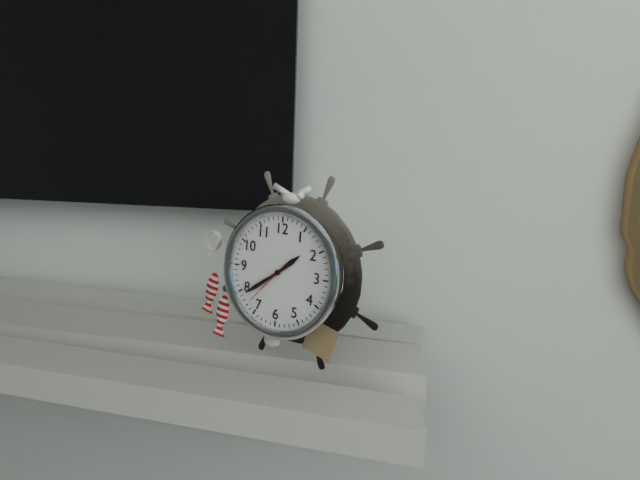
1.39
